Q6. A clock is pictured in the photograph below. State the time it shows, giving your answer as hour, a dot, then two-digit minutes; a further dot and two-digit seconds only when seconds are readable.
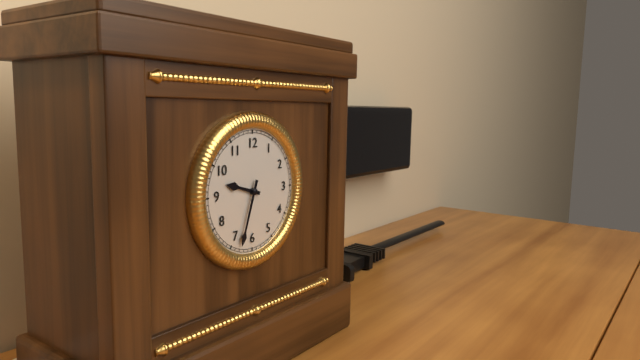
9.33
